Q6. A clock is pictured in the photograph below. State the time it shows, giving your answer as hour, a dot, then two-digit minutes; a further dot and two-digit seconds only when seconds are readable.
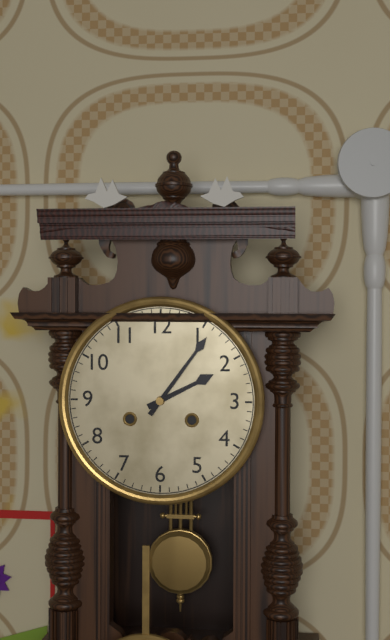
2.06
